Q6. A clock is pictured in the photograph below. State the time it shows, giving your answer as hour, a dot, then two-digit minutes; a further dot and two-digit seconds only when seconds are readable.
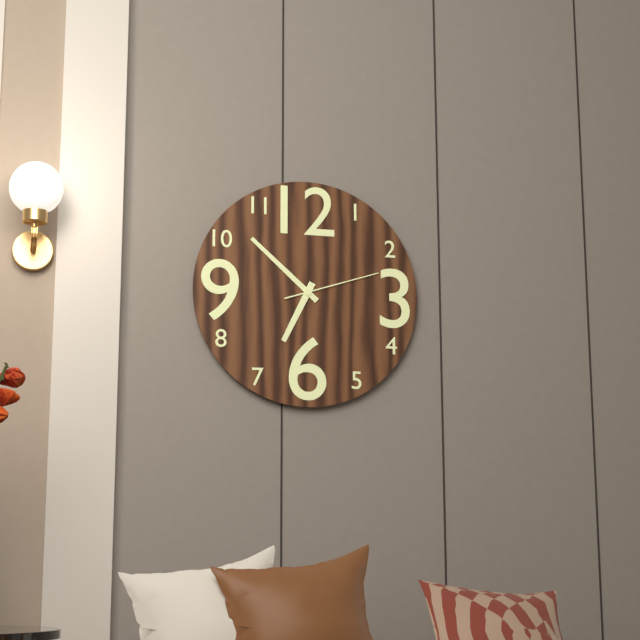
6.52.12
